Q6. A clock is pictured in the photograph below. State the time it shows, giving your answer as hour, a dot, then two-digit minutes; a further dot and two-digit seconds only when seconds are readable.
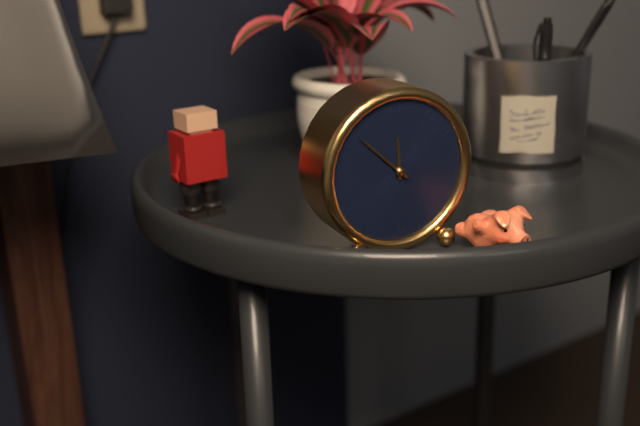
11.52
